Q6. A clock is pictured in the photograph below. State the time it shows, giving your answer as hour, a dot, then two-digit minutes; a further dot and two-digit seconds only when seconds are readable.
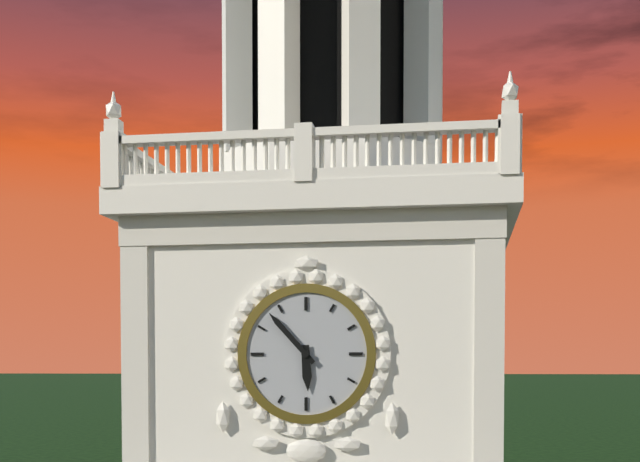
5.53
